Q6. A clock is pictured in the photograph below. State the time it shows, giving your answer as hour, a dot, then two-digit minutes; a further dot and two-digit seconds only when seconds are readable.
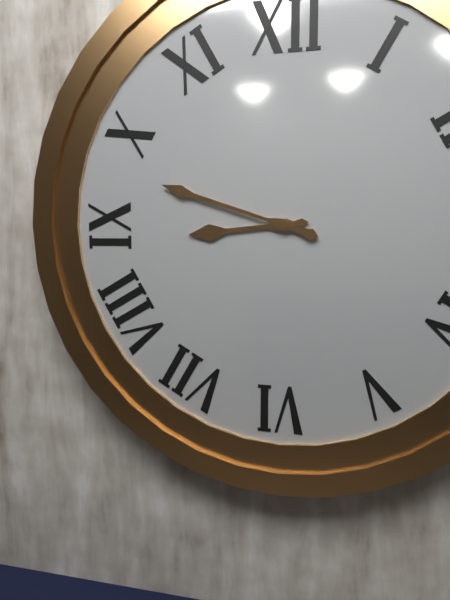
8.48
